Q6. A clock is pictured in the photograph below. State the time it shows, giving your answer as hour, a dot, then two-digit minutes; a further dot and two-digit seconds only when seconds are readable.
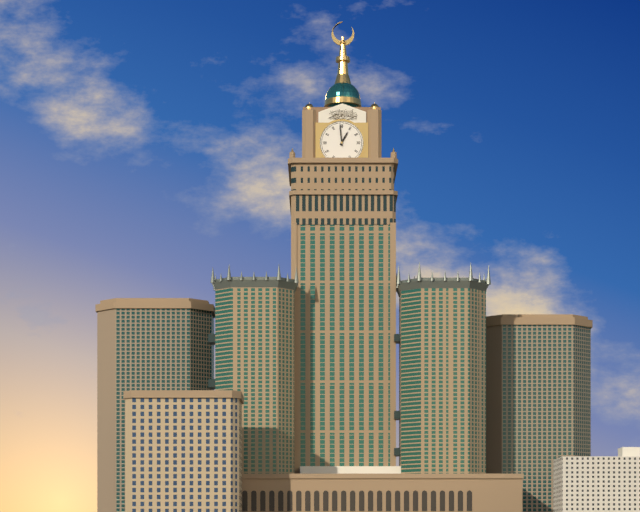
12.59
